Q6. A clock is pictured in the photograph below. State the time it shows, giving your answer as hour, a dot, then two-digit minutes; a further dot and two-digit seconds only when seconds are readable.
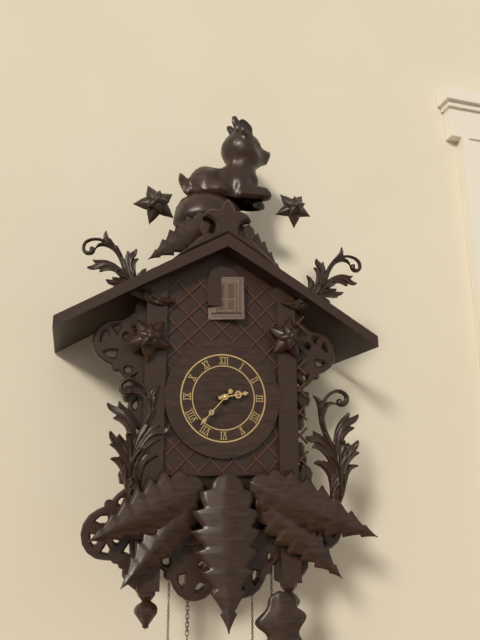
2.37
